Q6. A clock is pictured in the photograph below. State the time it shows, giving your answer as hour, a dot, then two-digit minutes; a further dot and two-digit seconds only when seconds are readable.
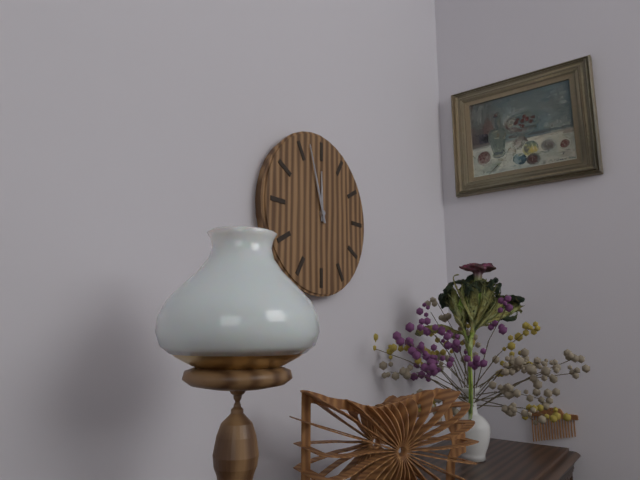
11.57
